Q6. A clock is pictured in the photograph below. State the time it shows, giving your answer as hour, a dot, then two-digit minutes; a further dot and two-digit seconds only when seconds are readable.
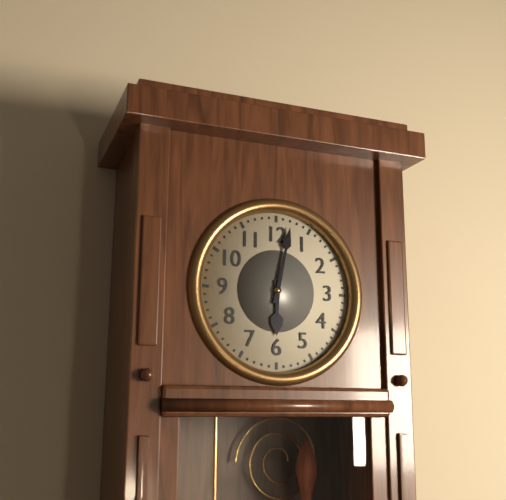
6.02
